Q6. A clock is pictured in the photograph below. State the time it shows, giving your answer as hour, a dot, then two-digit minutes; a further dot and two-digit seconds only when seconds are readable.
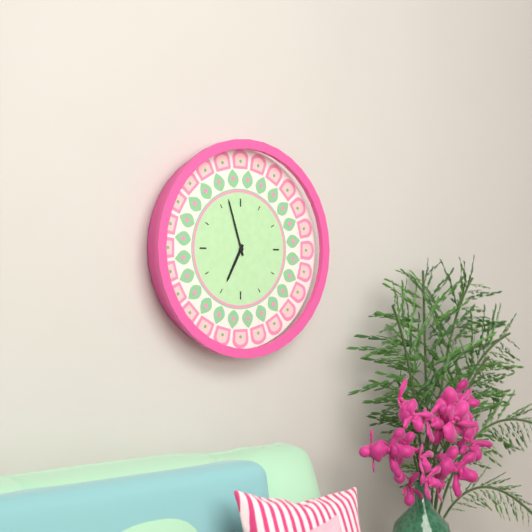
6.57
